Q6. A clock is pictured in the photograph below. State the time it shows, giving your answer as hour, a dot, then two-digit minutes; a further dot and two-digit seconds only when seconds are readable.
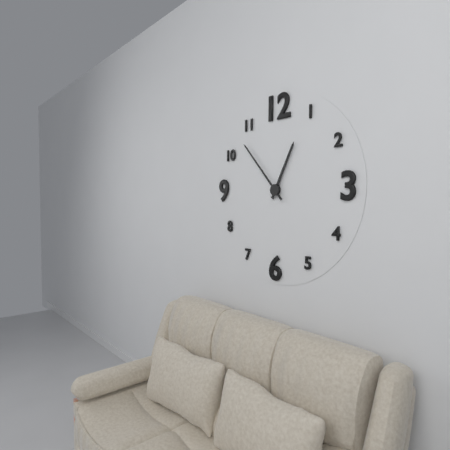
12.53
